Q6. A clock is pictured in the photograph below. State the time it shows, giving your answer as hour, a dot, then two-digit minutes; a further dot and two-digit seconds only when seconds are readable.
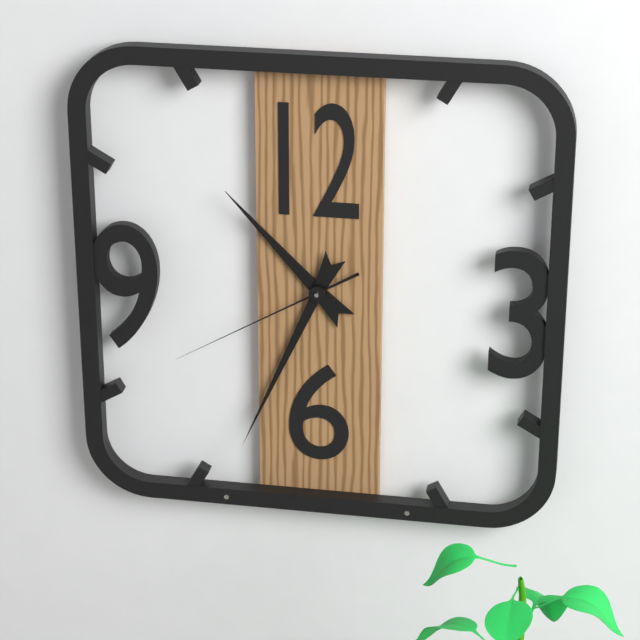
10.34.40
